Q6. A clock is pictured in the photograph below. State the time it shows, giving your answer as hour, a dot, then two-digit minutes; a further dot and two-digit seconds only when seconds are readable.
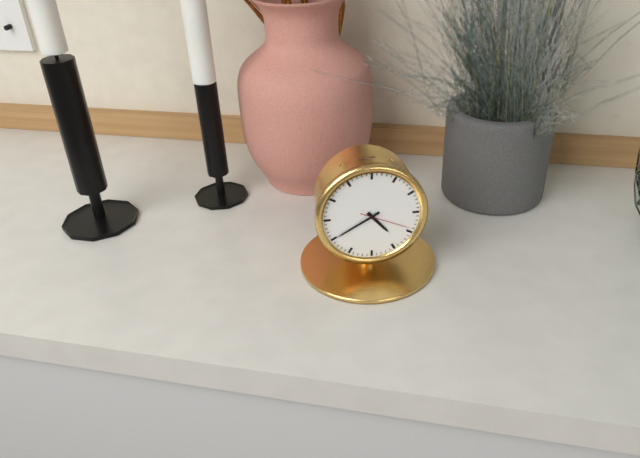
4.40.19
